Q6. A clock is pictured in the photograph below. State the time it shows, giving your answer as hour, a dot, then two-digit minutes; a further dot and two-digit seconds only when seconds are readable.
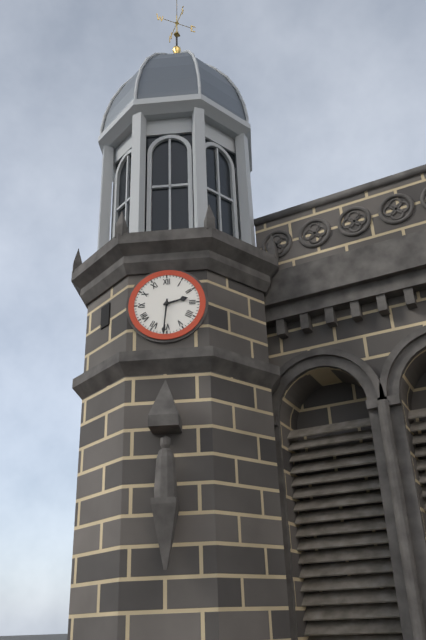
2.31
